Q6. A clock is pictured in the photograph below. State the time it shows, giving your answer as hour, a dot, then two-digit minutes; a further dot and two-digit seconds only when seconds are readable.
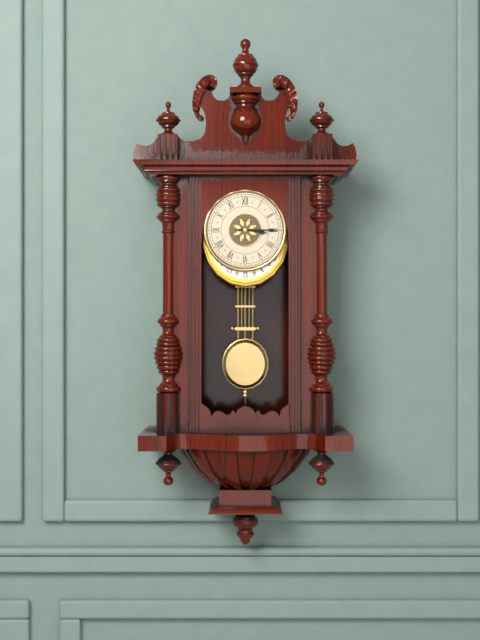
3.15
